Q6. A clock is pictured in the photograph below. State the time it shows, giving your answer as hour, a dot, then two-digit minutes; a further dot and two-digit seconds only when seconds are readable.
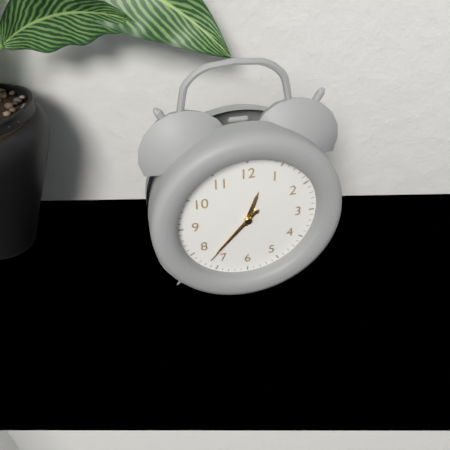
12.37.37
